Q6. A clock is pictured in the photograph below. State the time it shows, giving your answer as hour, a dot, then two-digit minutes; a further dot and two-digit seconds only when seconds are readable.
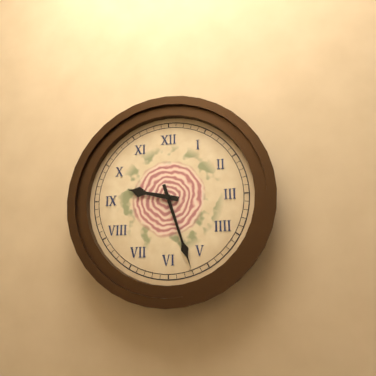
9.27
